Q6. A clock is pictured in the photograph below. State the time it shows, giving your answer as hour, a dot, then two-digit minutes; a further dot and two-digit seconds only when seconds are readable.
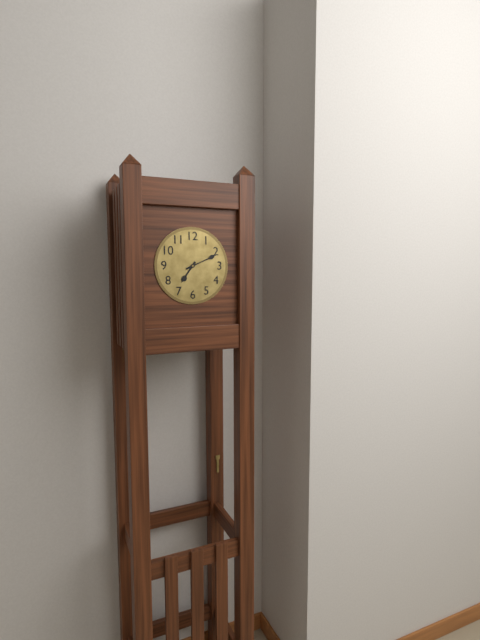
7.11
